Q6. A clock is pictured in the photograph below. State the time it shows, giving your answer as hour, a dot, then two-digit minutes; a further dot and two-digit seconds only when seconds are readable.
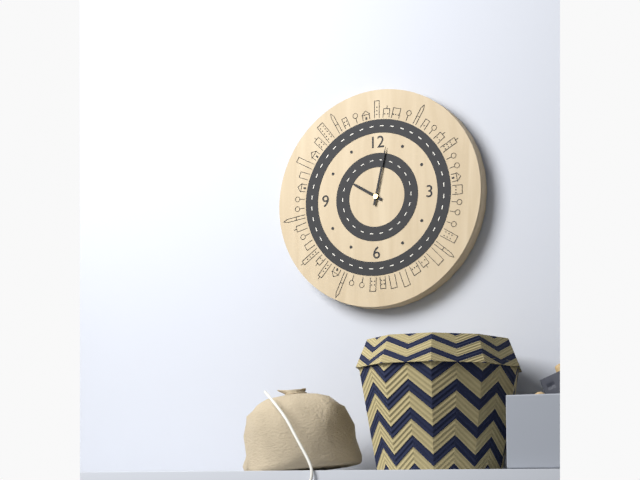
10.02
